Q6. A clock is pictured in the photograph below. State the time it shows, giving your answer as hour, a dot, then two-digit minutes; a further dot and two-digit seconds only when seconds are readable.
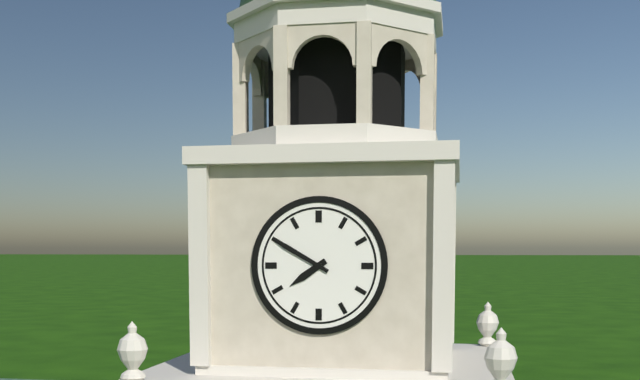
7.50
